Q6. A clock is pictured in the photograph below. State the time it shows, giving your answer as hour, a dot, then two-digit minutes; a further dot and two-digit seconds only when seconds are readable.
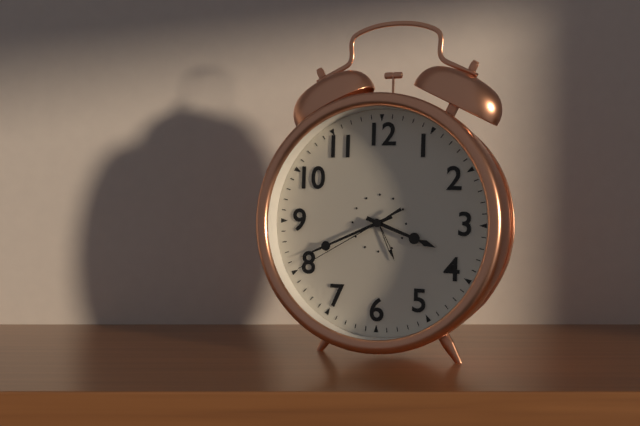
3.41.40
